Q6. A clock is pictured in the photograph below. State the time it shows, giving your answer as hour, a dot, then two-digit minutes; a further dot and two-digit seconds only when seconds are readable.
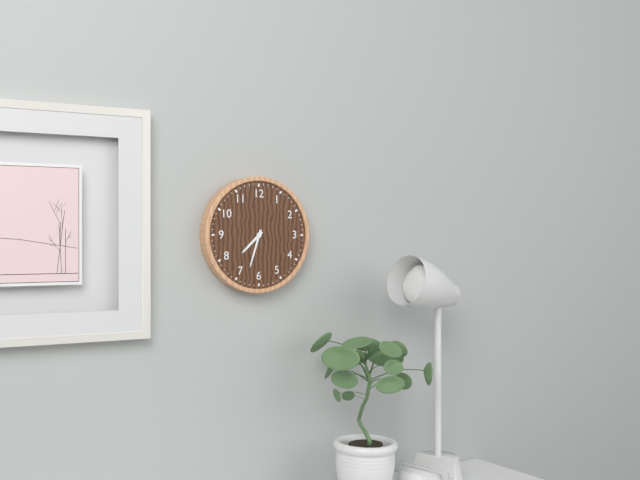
7.33
